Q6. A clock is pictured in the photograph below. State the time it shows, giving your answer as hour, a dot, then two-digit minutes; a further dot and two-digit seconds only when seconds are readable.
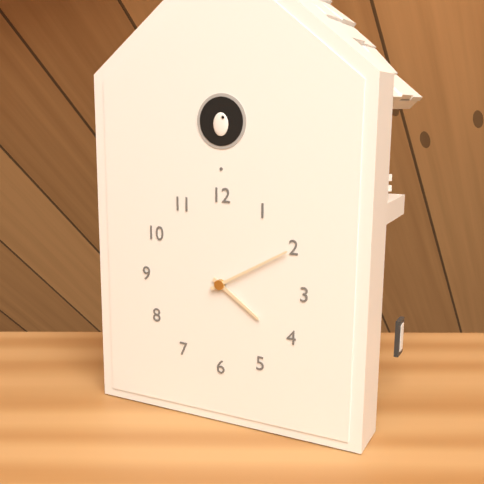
4.10
